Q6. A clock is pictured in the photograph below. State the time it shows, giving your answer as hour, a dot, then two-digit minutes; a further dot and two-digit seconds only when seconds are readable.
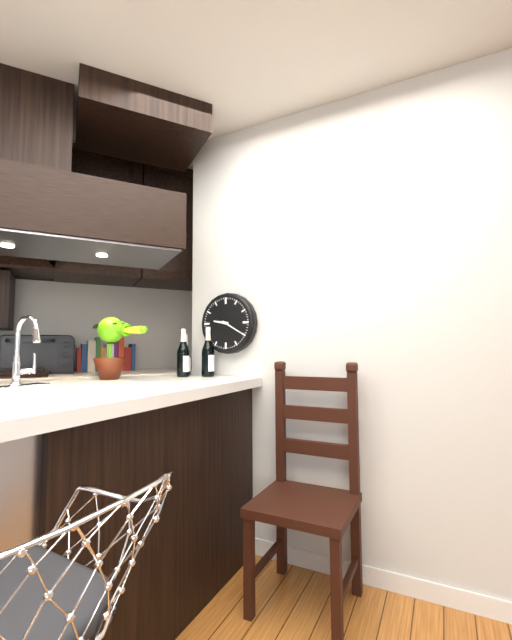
9.20
